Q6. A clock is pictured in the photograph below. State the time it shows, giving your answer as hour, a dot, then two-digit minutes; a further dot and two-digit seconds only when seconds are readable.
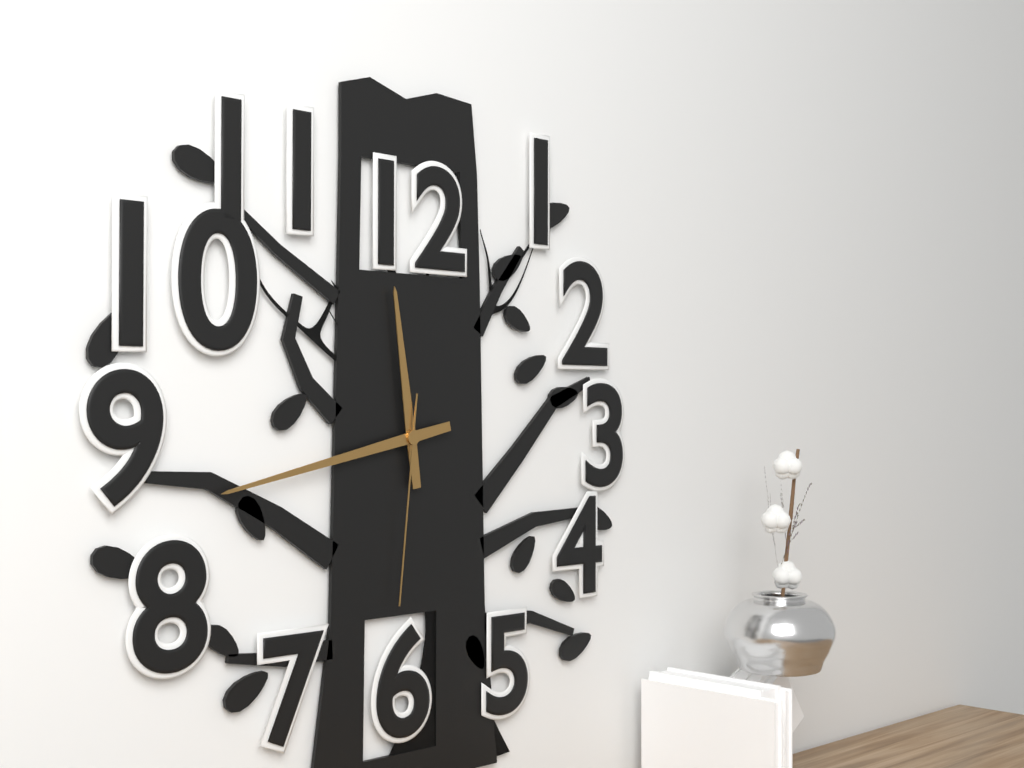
11.43.31
